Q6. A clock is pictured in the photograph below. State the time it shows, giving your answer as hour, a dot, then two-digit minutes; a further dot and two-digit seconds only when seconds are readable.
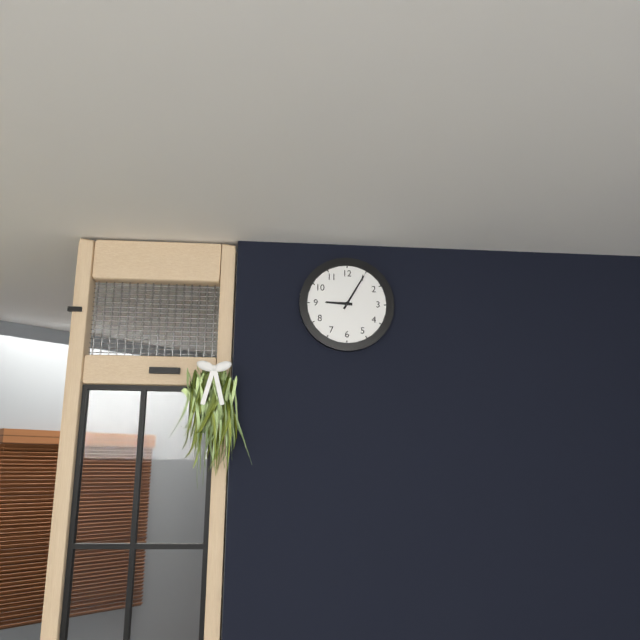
9.05
